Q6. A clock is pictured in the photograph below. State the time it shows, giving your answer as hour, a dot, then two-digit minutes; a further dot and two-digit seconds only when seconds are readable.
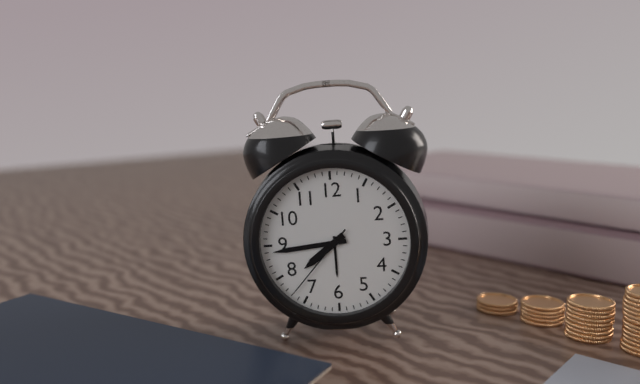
7.44.37
